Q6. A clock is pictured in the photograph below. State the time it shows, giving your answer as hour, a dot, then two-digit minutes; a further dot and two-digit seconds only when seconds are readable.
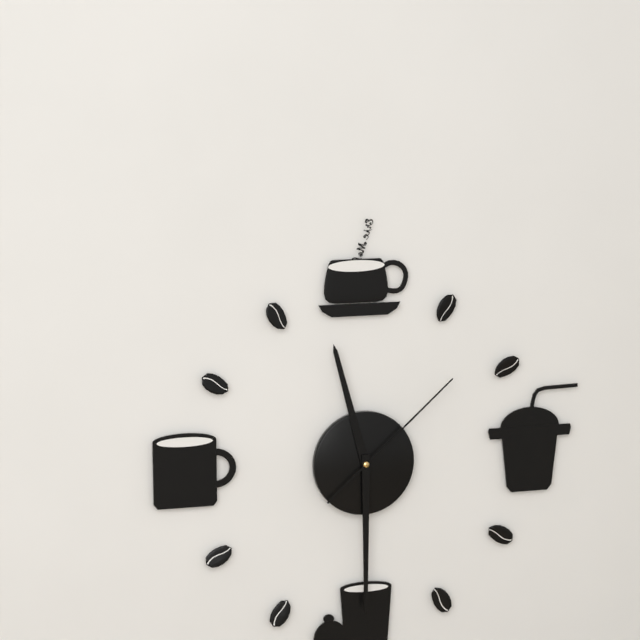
11.30.08
